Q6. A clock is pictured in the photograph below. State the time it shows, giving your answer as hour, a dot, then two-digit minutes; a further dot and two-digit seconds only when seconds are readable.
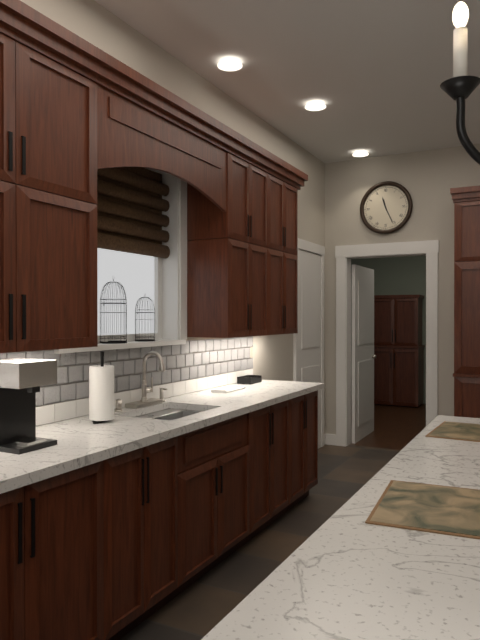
11.26
